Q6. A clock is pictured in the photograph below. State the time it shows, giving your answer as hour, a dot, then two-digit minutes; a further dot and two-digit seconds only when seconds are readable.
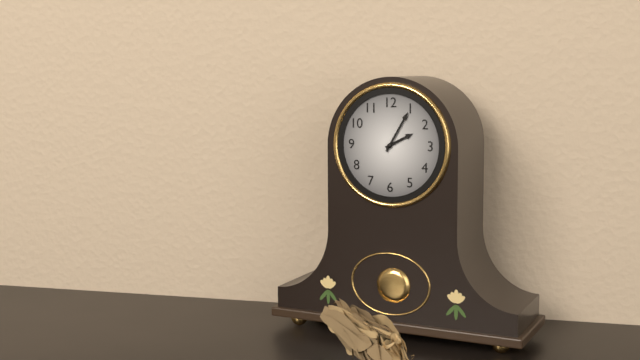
2.05
